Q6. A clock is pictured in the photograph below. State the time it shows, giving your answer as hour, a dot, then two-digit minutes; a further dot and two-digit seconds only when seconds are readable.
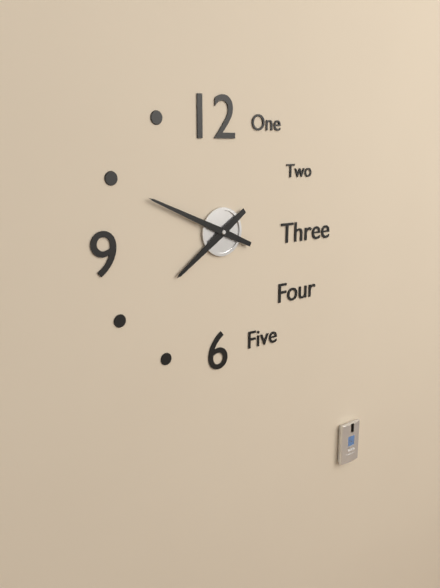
7.49
